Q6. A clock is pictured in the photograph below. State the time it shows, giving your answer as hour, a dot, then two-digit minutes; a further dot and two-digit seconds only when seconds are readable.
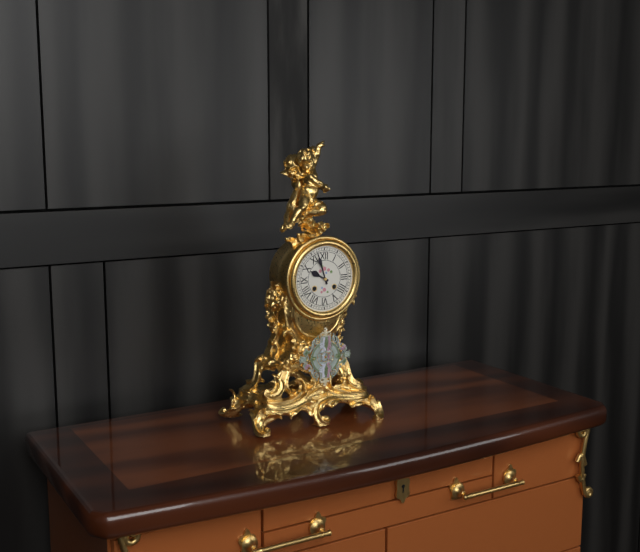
9.57
